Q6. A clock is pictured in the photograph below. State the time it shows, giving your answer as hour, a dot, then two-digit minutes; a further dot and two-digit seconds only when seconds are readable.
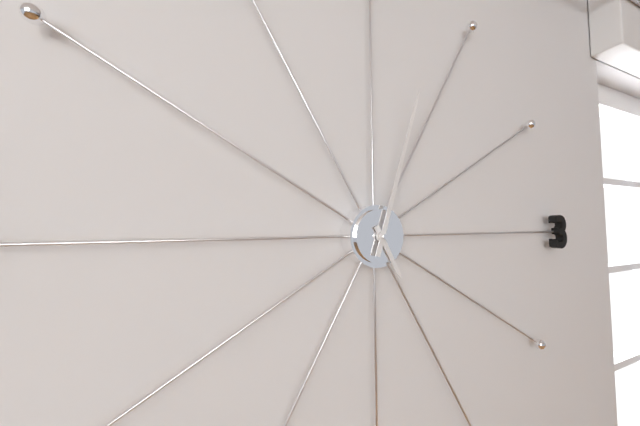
5.03
